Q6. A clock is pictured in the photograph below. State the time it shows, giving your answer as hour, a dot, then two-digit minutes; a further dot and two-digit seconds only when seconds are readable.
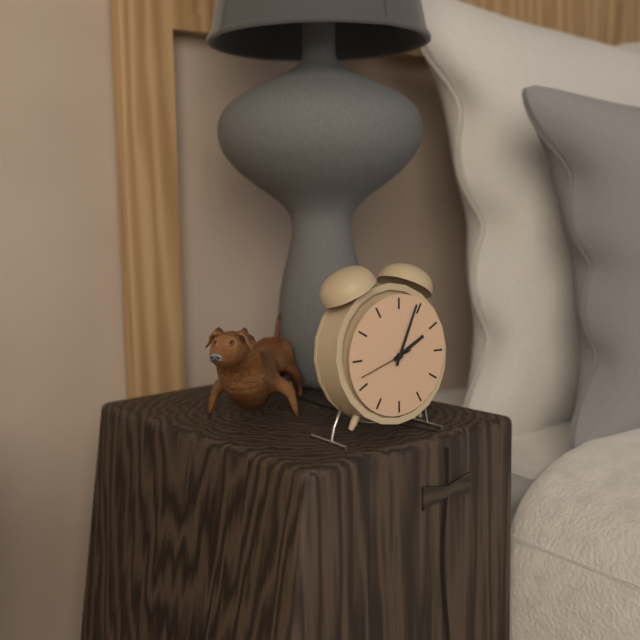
2.04.42
